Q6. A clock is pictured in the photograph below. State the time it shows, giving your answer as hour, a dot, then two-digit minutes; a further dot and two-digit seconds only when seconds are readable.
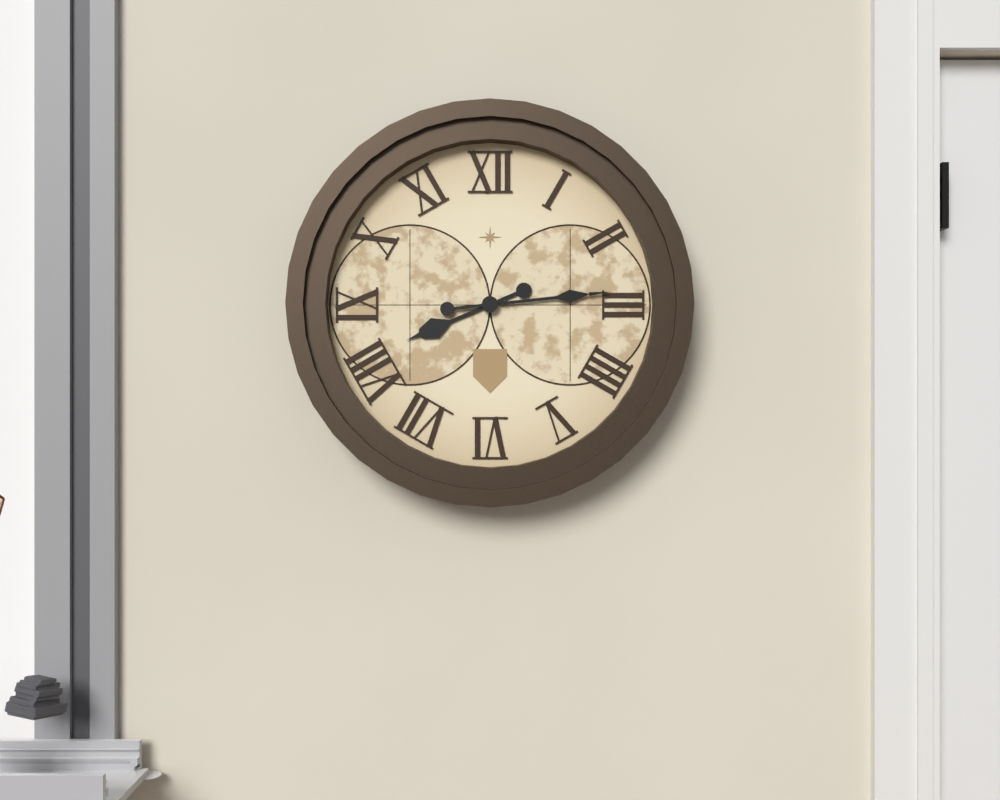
8.14
